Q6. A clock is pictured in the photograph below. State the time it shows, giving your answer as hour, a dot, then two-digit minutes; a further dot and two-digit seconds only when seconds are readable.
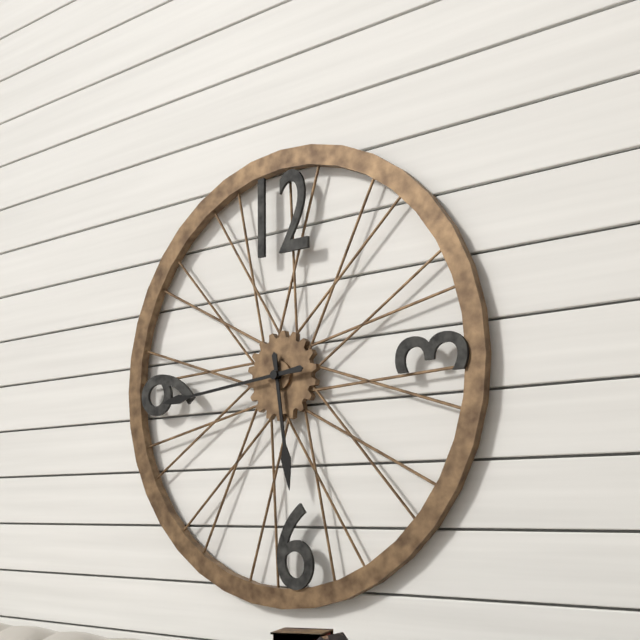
5.44
